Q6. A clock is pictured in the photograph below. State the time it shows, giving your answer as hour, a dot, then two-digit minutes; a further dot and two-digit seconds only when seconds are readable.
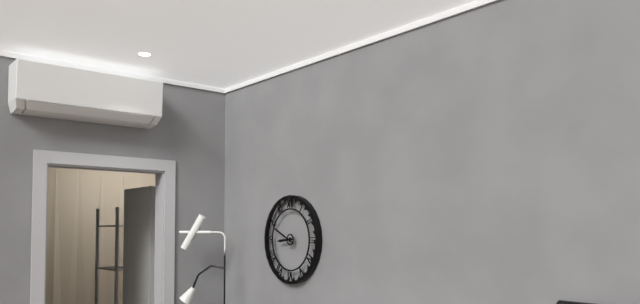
8.49
